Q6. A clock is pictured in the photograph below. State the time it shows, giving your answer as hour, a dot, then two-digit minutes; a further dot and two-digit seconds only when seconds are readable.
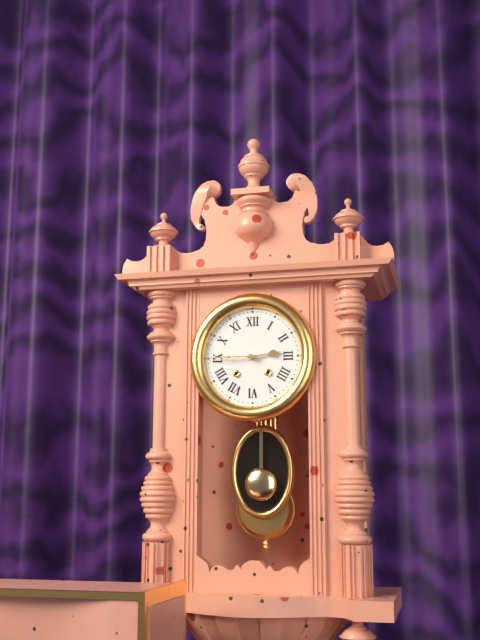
2.45
